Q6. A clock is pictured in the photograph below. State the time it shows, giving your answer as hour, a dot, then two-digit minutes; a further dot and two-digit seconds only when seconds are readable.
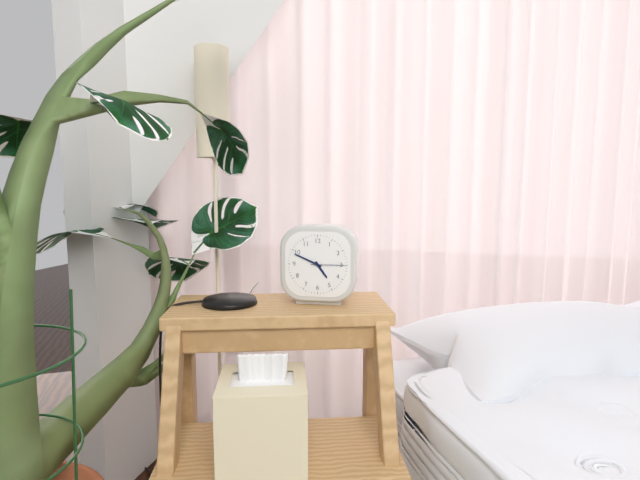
4.49
